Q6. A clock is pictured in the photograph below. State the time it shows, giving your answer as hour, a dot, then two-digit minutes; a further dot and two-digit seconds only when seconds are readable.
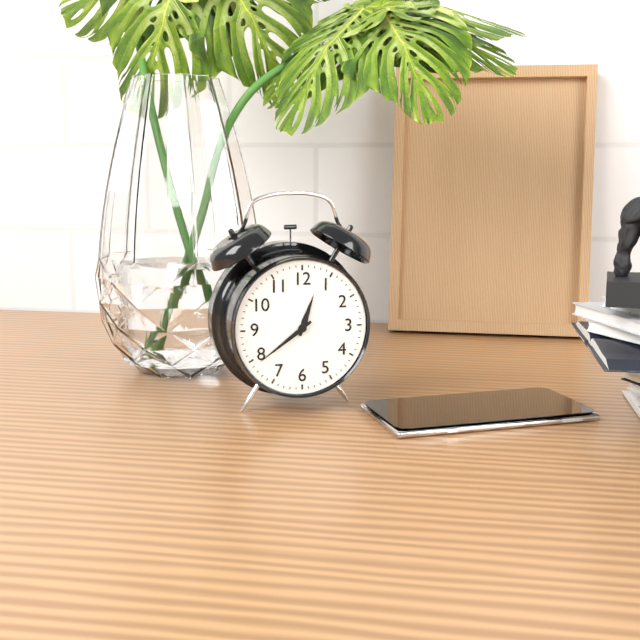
12.39
